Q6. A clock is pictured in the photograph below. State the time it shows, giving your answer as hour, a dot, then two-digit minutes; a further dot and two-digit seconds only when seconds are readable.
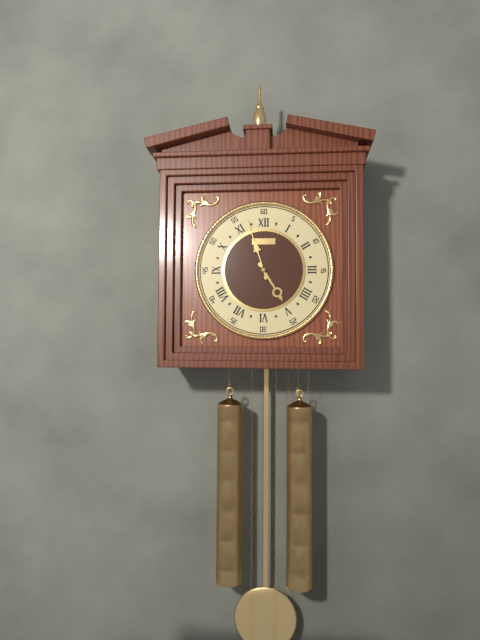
4.57
